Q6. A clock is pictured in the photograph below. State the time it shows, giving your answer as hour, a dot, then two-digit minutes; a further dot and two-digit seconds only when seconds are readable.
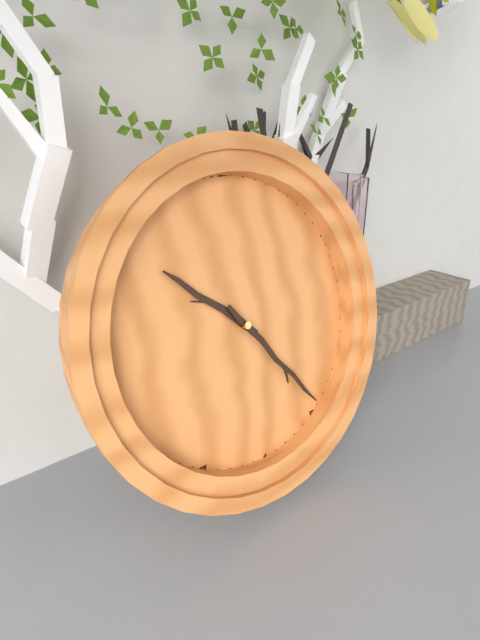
10.24
